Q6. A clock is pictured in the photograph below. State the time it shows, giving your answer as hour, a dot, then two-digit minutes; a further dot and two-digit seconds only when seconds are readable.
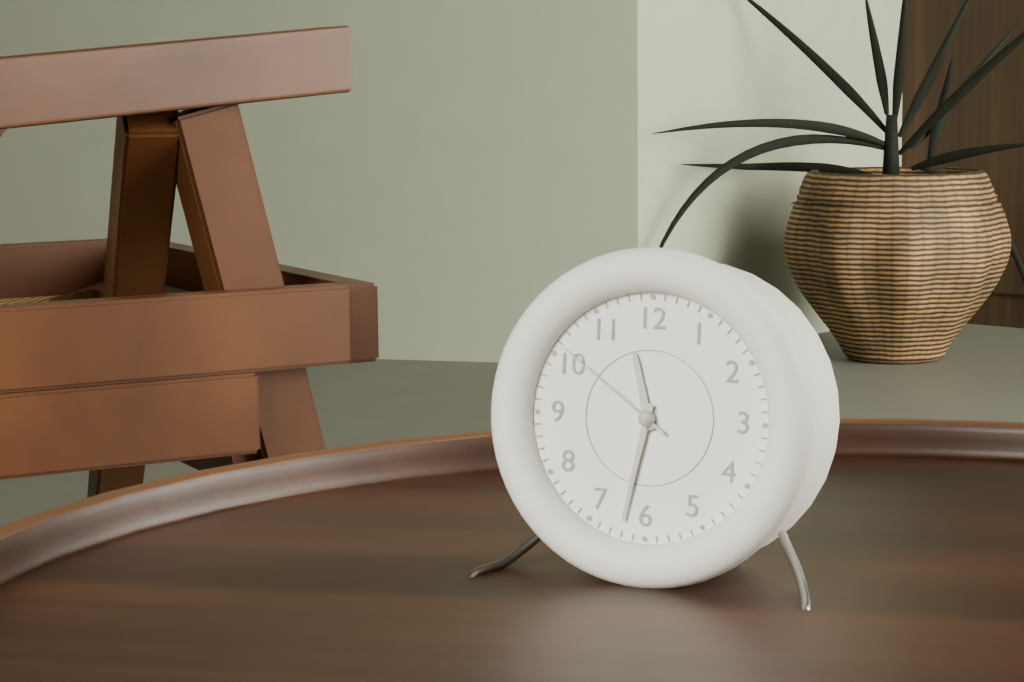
11.32.51
